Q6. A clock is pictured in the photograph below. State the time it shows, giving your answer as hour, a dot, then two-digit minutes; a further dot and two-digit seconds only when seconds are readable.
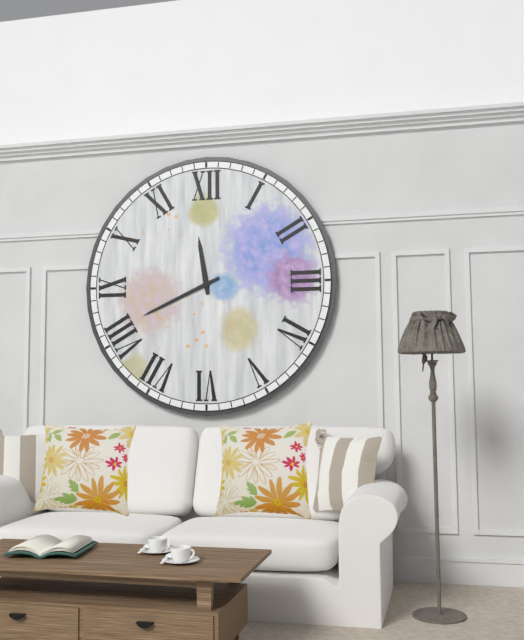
11.41
